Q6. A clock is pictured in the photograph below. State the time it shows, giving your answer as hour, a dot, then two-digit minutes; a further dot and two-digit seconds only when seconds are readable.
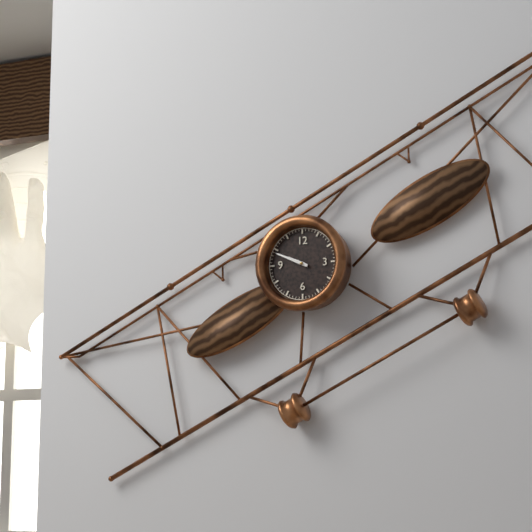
9.49
